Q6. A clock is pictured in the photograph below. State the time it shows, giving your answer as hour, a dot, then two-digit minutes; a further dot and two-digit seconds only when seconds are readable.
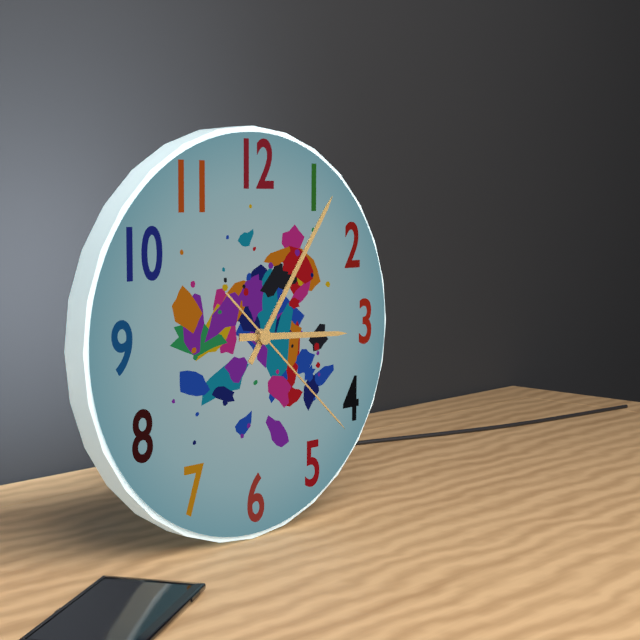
3.06.22
